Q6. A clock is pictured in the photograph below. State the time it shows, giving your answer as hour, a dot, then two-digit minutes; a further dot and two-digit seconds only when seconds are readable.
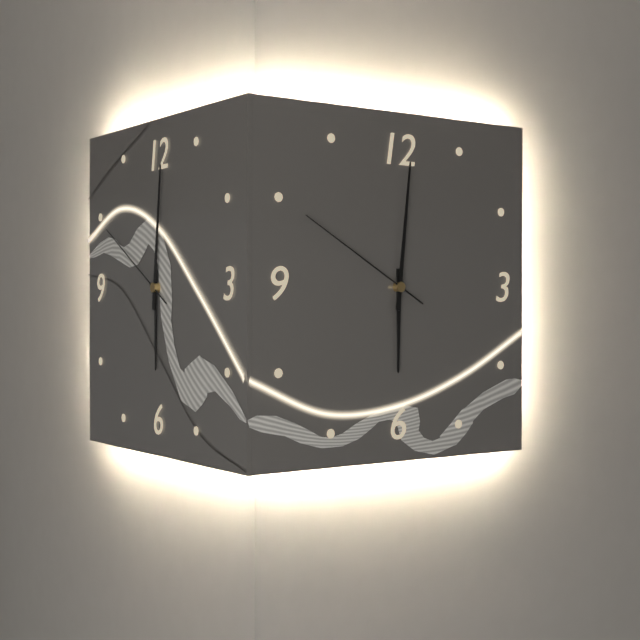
6.01.50
